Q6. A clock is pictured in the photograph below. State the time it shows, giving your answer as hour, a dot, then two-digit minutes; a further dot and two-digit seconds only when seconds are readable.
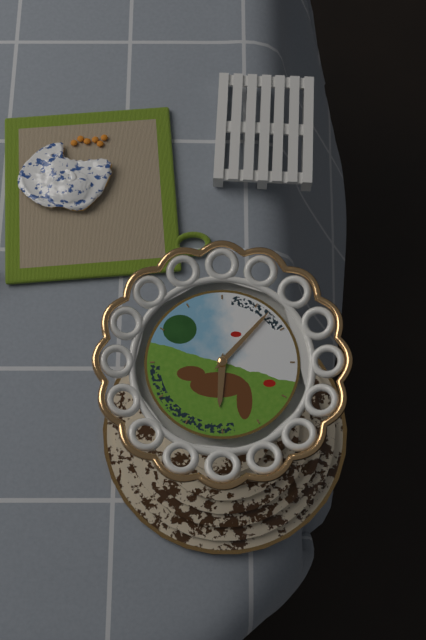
6.07
